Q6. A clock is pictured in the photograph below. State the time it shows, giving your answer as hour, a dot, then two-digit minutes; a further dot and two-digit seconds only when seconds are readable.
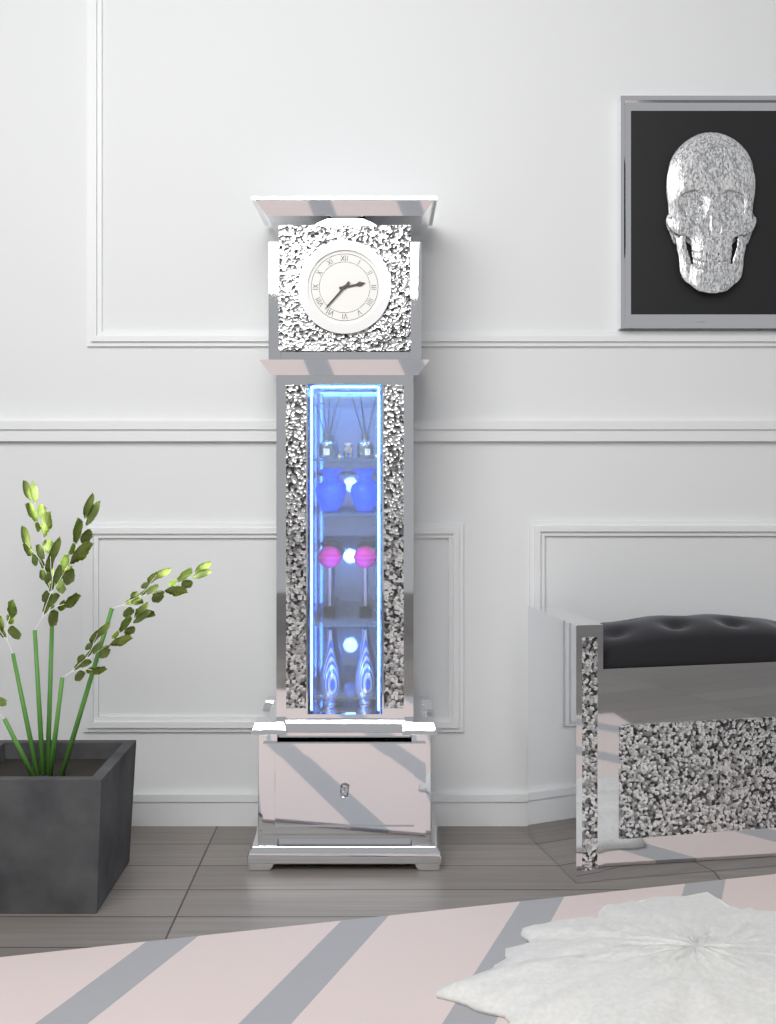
2.37
